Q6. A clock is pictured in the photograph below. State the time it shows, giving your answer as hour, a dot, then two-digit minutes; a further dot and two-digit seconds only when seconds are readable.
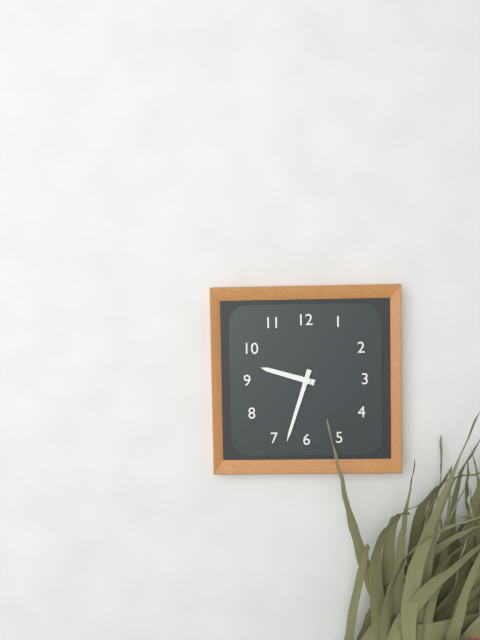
9.33
